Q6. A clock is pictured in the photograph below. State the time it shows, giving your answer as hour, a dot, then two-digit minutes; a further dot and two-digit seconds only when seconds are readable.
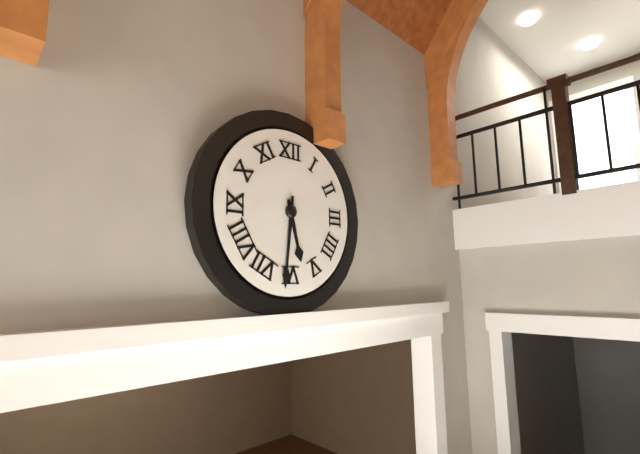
5.31
